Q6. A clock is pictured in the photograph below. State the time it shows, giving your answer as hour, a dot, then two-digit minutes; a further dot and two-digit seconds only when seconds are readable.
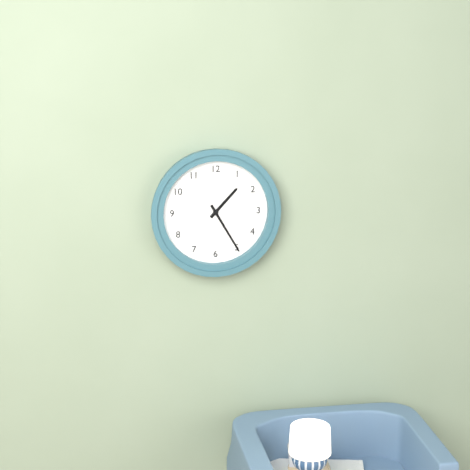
1.25
